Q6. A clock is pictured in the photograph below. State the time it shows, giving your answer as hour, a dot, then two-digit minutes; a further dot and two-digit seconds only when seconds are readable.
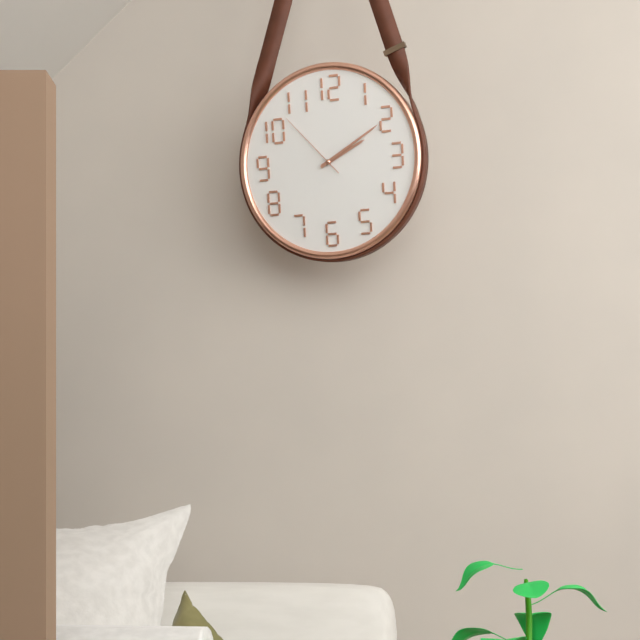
2.10.53
